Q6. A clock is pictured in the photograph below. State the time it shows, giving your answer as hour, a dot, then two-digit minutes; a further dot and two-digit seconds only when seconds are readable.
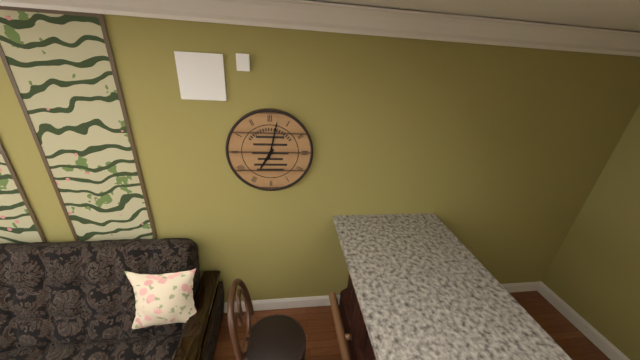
7.02
